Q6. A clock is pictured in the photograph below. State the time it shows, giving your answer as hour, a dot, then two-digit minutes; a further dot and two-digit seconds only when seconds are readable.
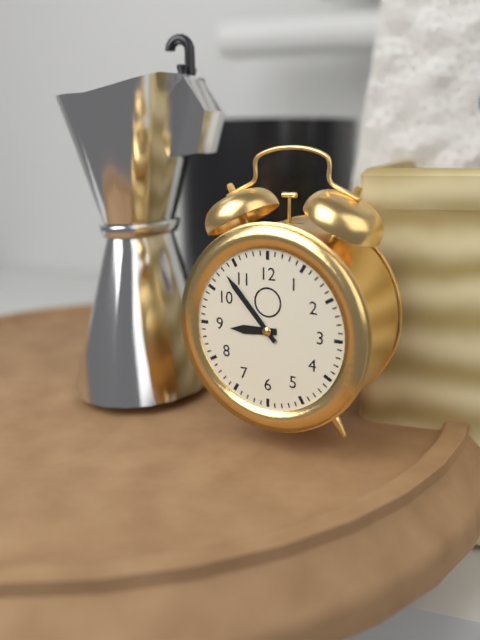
8.53
